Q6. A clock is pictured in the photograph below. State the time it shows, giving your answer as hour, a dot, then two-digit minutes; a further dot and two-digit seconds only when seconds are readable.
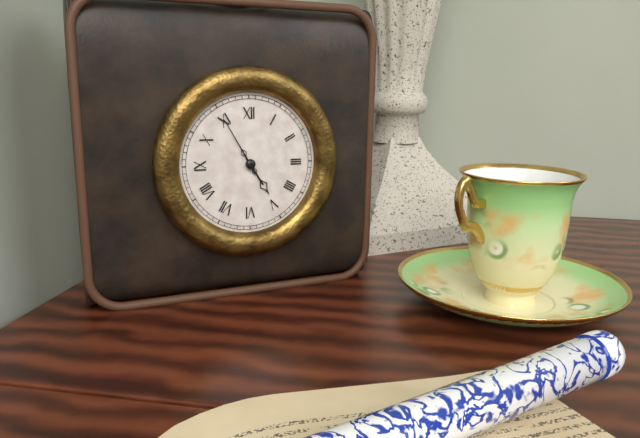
4.55
